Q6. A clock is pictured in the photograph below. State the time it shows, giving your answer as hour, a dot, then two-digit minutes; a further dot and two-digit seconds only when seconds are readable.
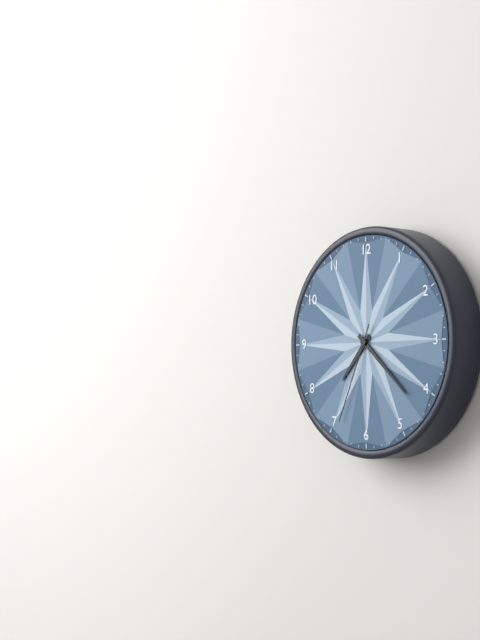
7.22.34
